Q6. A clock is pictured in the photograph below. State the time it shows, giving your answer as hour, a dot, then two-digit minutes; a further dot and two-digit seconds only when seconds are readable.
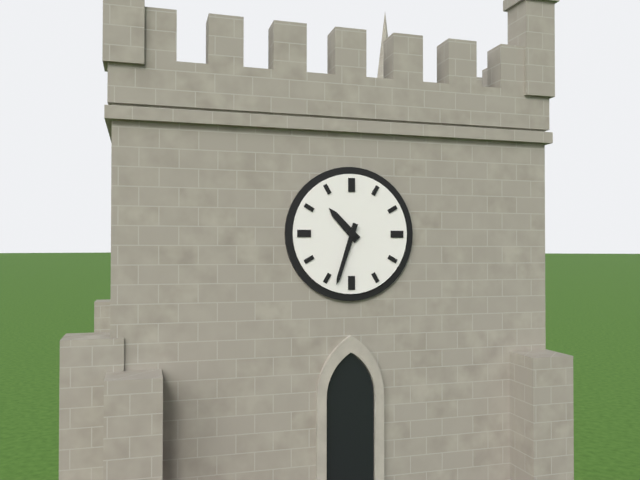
10.33
